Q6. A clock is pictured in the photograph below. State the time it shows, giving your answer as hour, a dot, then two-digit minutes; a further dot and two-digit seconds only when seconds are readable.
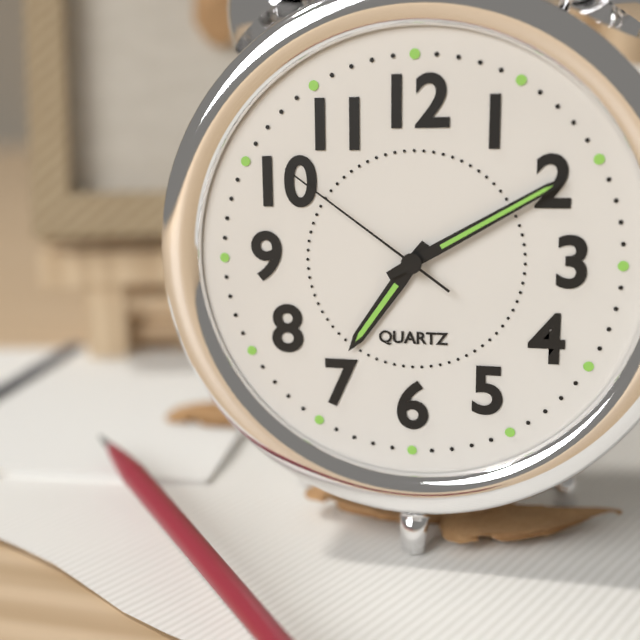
7.10.51
